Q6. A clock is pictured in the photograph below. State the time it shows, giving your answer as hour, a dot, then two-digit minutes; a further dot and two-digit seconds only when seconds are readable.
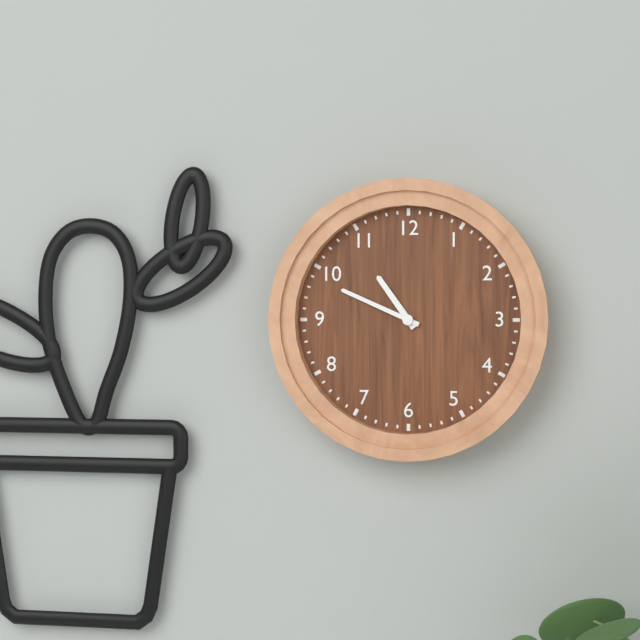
10.49
